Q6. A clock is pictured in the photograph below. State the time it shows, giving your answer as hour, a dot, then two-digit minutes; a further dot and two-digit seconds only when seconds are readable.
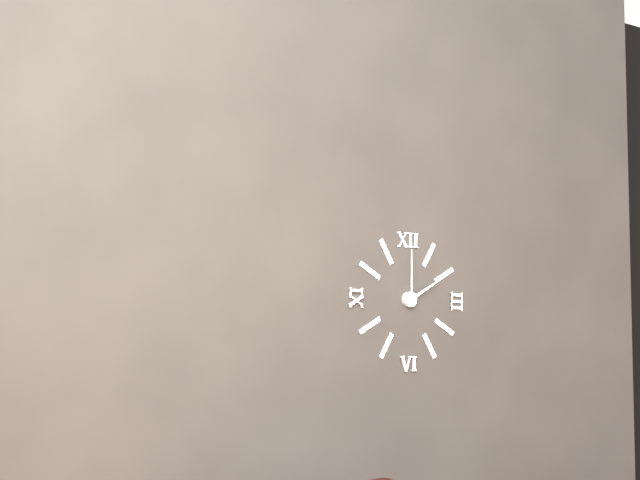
2.00
